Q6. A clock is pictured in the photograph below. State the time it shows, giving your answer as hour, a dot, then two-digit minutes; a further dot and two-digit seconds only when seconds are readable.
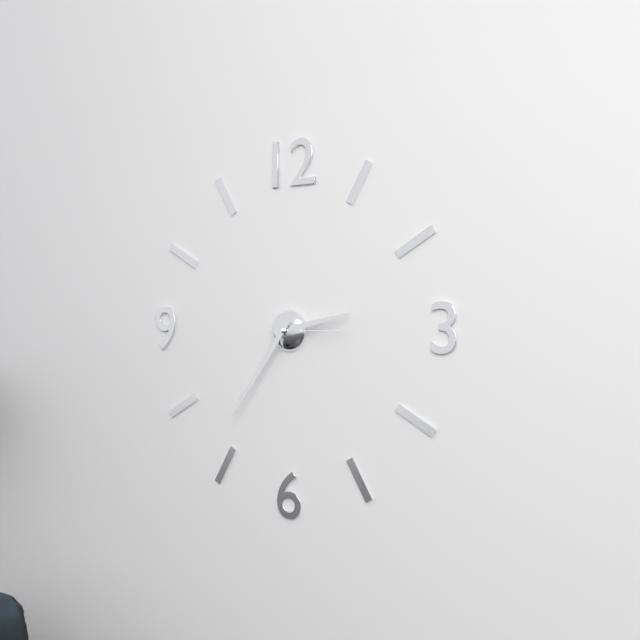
2.36.15
